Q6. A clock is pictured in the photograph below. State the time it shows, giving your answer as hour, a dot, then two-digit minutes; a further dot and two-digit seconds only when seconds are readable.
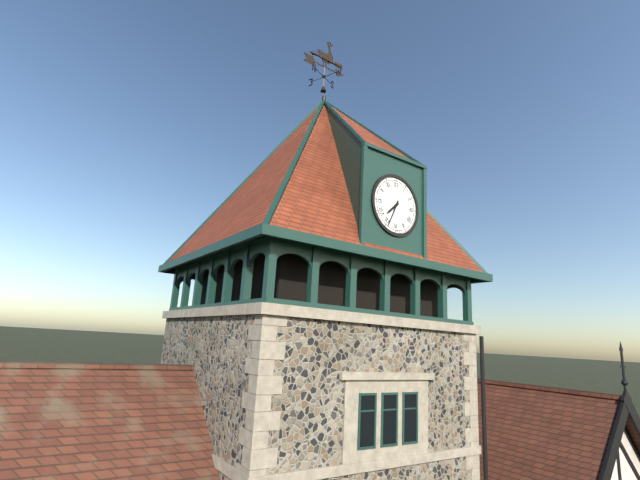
7.34
